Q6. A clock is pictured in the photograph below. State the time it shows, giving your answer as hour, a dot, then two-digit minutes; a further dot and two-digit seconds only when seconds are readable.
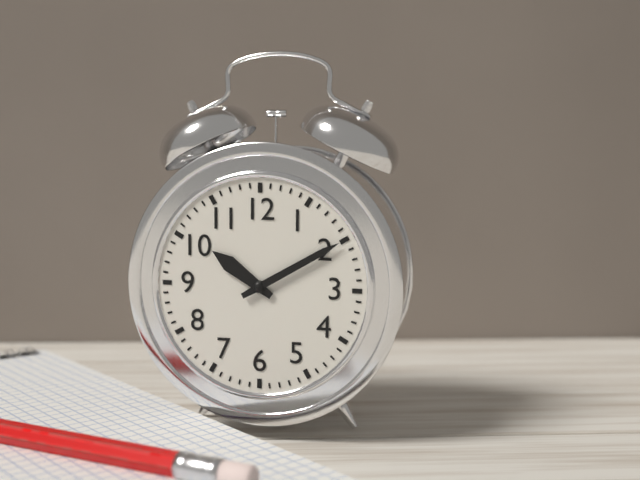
10.10
